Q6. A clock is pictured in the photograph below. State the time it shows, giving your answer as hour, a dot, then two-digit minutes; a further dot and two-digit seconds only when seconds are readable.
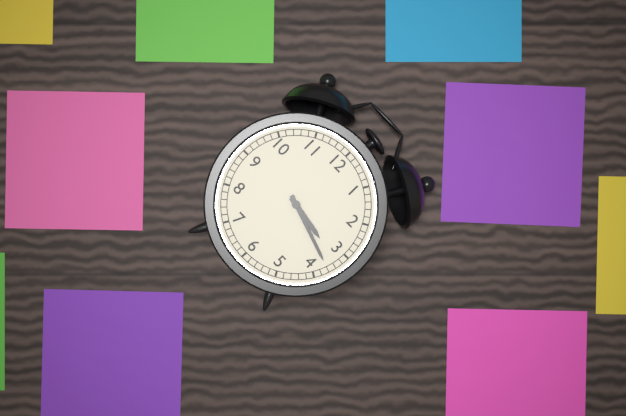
3.18
